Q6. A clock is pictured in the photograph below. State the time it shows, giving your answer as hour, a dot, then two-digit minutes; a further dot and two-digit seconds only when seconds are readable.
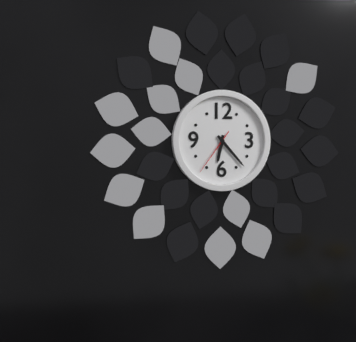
6.23
